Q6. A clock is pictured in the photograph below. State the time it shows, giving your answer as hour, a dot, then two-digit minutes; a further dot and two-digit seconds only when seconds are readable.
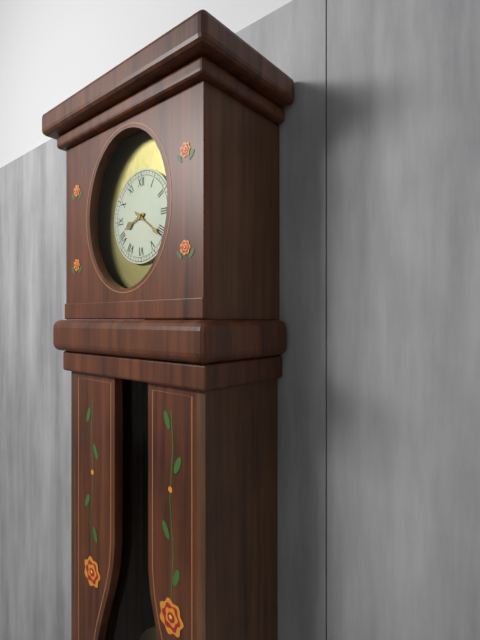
8.21
